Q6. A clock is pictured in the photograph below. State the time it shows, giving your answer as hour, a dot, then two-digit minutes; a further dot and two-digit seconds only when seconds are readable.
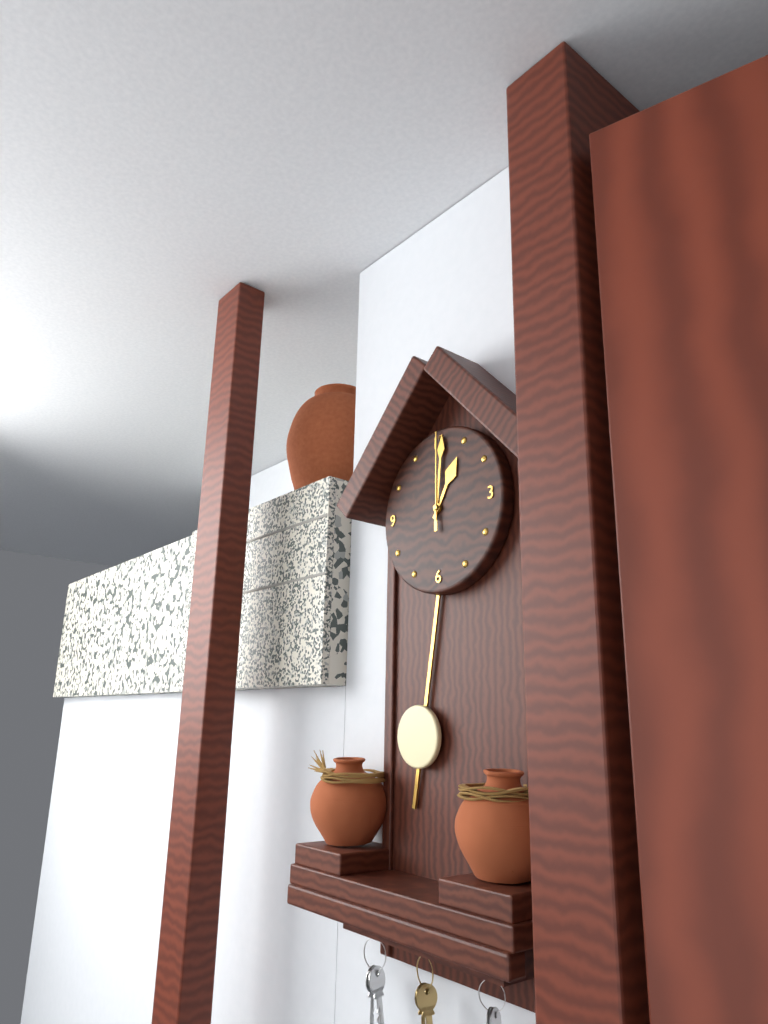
1.01.00
